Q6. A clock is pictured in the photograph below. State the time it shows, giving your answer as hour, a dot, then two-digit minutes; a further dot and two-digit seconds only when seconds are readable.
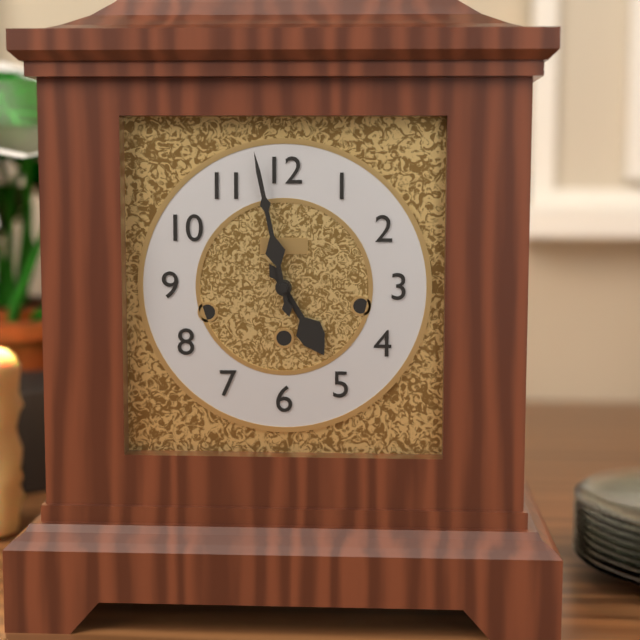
4.58
